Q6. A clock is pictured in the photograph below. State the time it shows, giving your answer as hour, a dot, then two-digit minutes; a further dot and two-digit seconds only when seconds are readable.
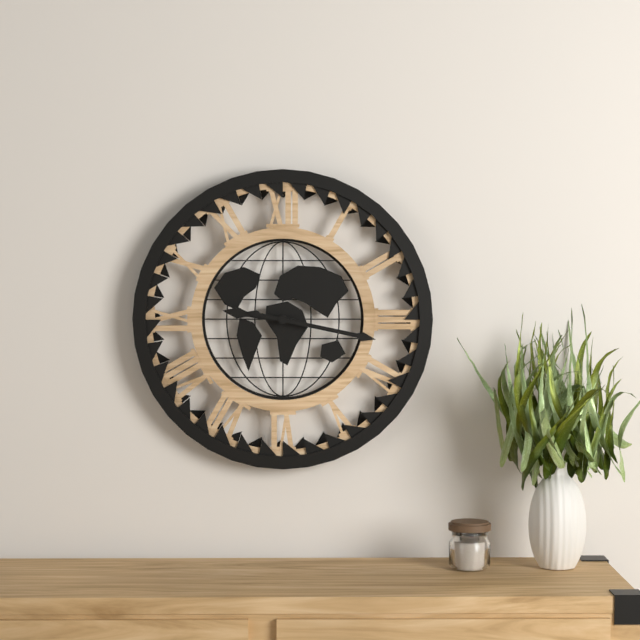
9.17
